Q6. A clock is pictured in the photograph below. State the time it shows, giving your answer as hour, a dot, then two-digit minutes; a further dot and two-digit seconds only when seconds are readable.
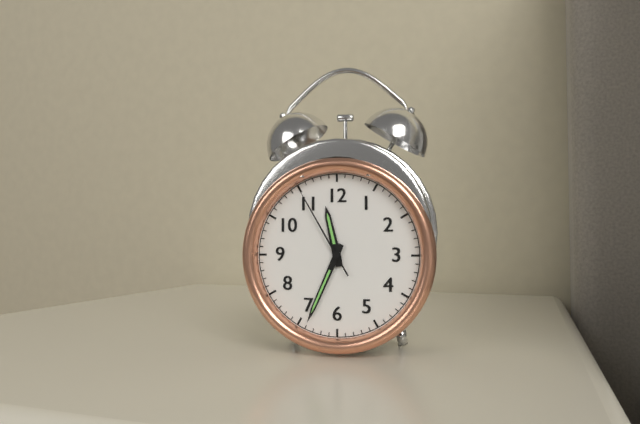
11.34.55
